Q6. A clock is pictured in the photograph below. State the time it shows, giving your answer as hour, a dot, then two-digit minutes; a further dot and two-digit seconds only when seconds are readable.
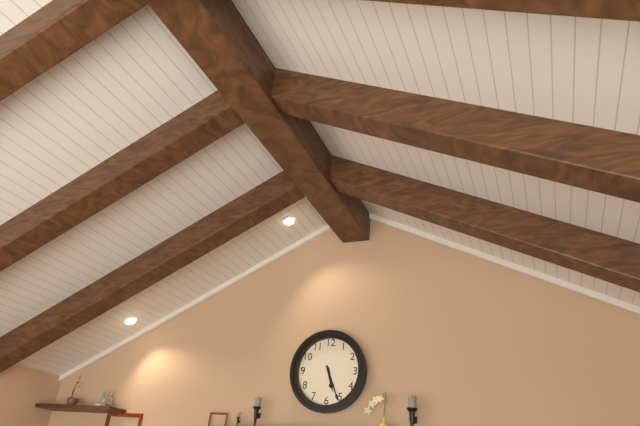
5.26
